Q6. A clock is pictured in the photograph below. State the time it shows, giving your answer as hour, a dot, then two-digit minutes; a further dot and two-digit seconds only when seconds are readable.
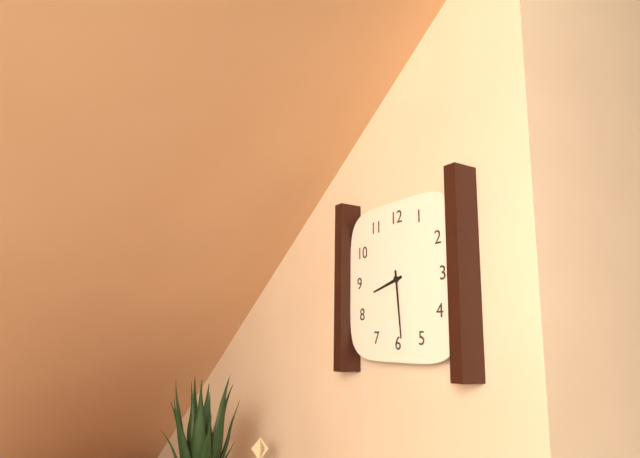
8.29
